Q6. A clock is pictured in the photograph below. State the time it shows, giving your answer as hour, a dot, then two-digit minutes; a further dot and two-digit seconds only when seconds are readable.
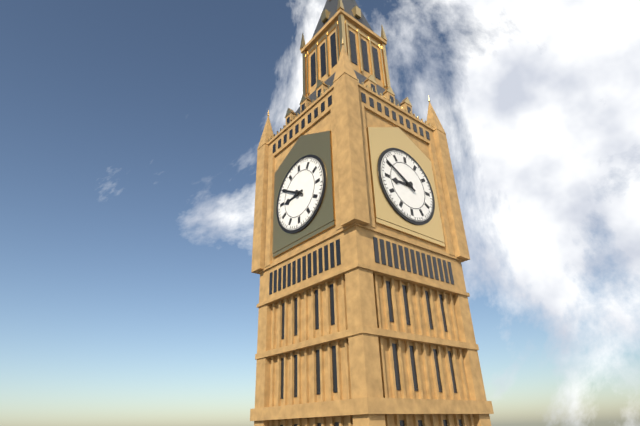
8.50
